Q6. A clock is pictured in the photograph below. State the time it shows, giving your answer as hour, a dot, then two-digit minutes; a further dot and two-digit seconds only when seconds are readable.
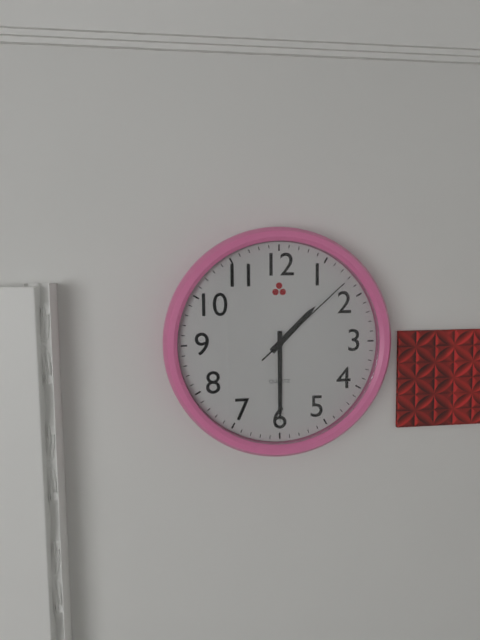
1.30.08
